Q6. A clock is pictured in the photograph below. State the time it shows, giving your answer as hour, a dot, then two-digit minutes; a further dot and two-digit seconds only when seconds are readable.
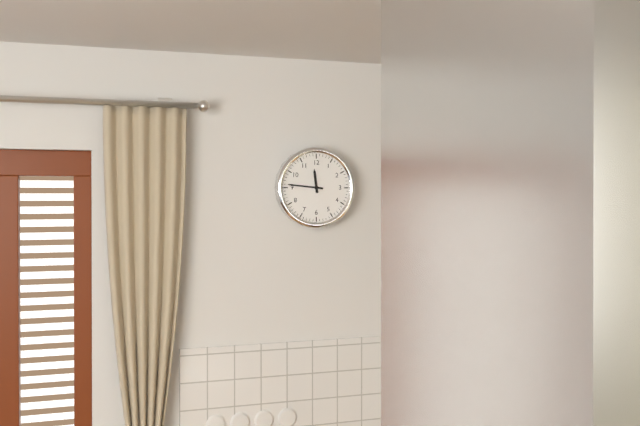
11.46
